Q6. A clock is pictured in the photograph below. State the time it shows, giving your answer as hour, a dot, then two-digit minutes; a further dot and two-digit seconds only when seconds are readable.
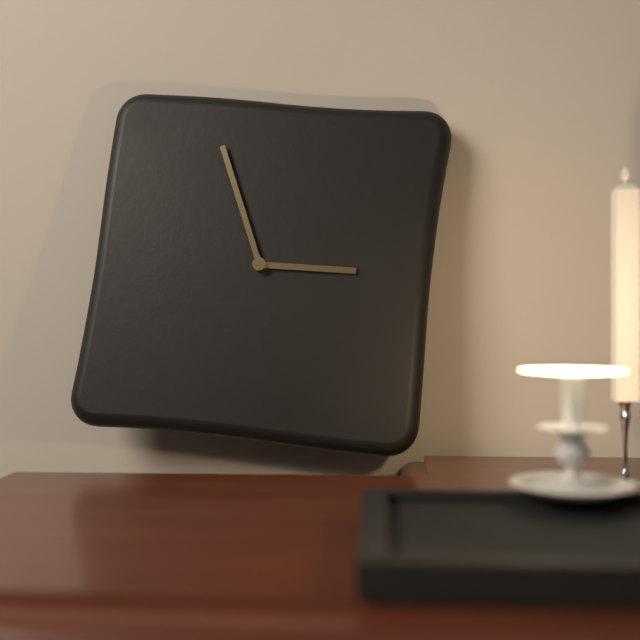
2.56
